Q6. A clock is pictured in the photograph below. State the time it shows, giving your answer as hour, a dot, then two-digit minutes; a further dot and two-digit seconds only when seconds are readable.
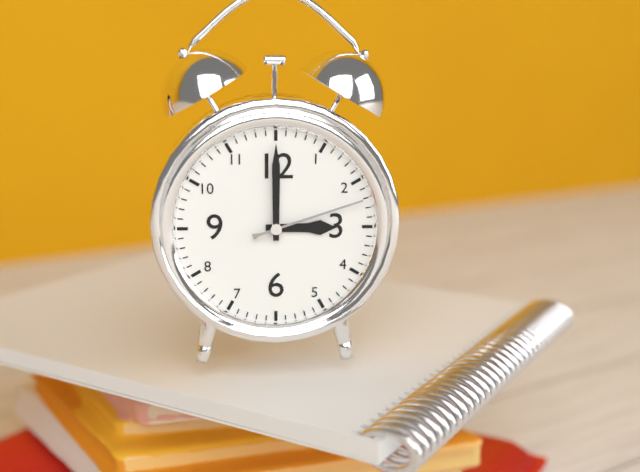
3.00.12
